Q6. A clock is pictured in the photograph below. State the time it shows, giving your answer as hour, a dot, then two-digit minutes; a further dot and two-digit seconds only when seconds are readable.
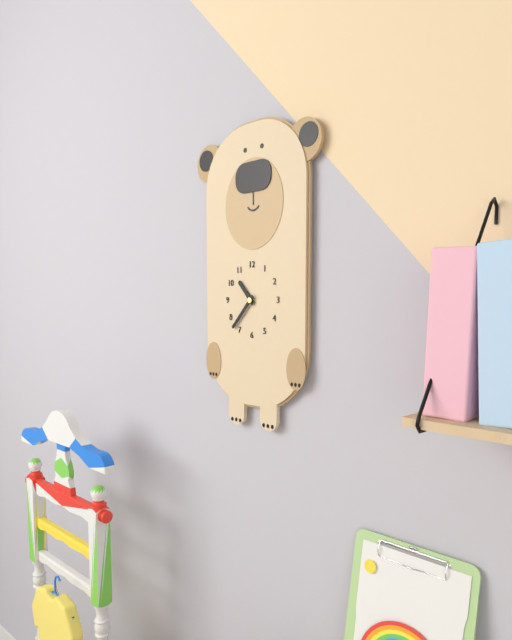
10.37
